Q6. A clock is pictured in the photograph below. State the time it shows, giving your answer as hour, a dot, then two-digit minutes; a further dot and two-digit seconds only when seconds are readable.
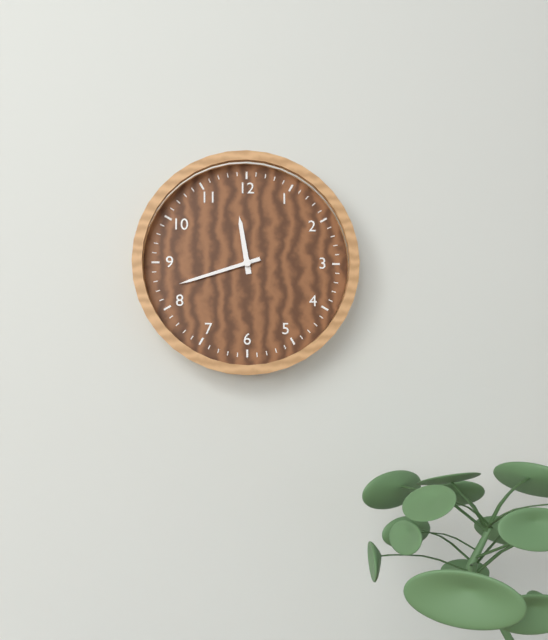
11.42
